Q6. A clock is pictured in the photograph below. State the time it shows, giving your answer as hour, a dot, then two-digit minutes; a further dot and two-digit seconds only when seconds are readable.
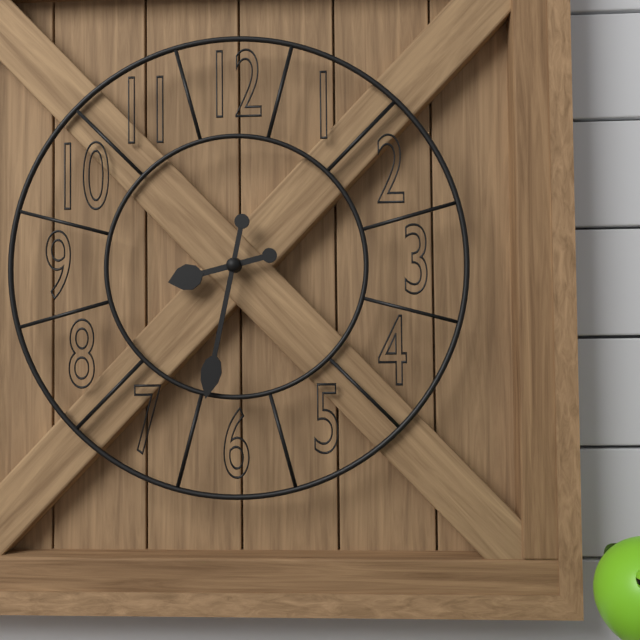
8.32
